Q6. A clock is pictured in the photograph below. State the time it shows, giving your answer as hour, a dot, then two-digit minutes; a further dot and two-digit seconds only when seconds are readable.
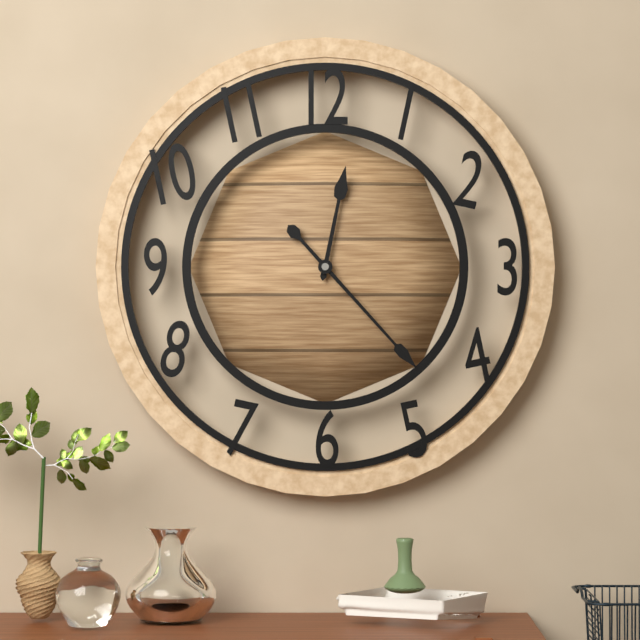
12.23
